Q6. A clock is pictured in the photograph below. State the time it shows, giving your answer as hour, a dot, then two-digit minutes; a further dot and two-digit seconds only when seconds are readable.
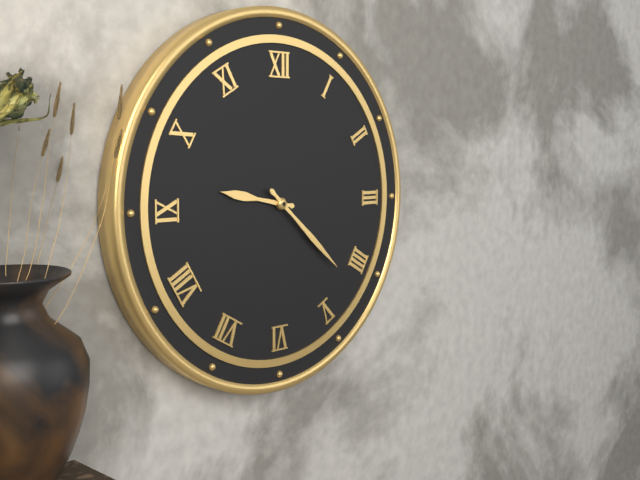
9.22
